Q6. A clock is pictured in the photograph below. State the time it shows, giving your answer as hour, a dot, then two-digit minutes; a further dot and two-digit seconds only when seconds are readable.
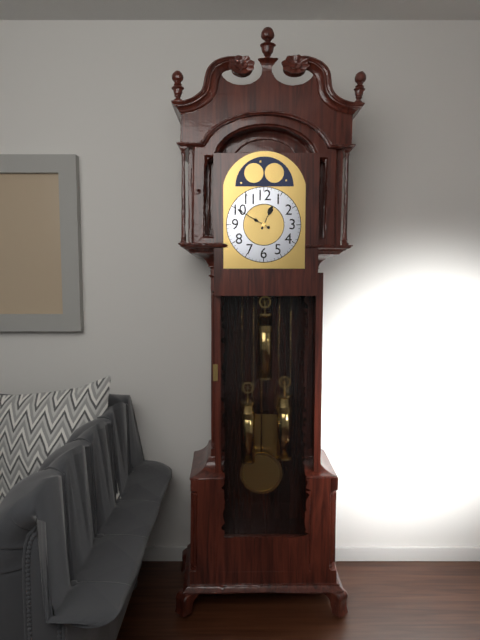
12.50
